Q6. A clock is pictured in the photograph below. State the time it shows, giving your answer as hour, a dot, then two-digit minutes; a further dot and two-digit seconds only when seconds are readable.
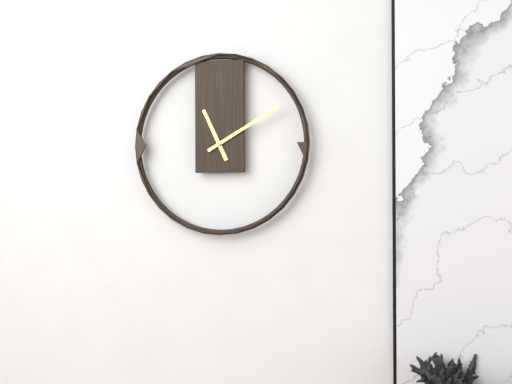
11.10
